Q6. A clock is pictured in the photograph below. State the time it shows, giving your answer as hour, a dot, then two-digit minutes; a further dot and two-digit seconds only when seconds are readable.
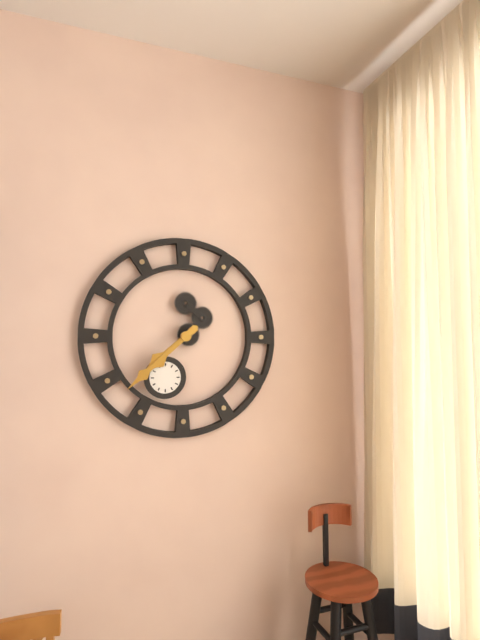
7.38
